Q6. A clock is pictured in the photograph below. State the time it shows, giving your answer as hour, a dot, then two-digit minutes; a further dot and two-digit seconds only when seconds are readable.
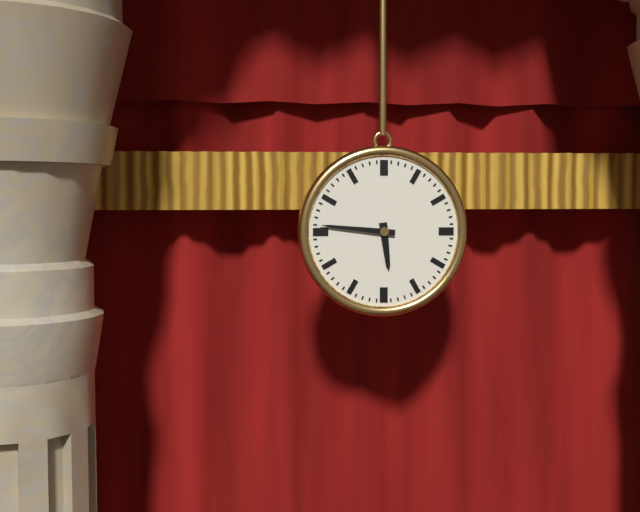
5.46
